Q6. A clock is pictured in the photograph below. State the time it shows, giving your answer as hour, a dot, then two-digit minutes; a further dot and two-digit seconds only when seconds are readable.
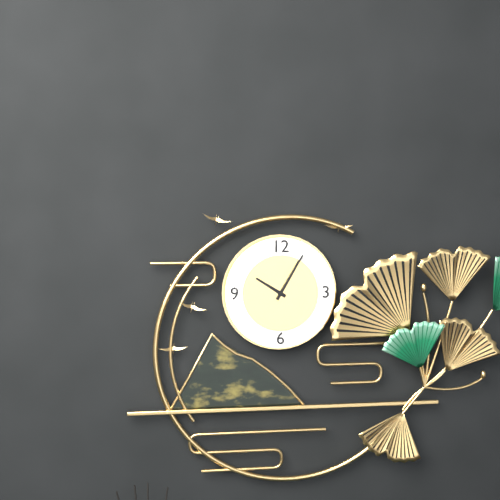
10.05
